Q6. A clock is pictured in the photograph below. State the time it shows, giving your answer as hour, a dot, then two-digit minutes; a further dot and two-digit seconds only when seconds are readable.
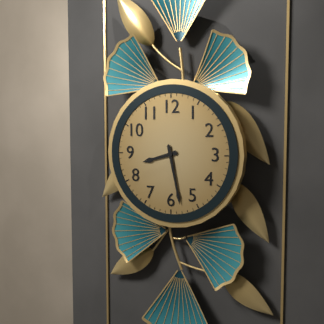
8.28
